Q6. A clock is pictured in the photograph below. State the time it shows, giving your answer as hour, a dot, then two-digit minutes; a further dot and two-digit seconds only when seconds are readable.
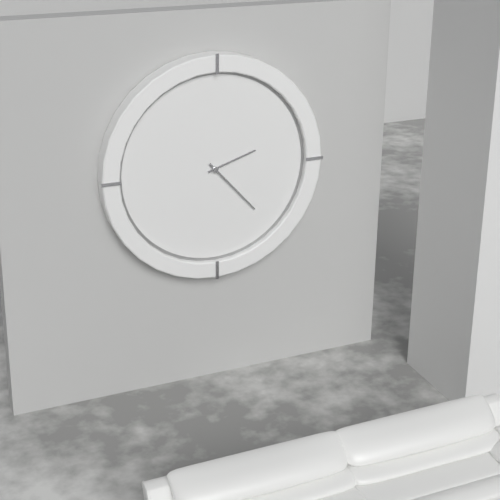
2.23
